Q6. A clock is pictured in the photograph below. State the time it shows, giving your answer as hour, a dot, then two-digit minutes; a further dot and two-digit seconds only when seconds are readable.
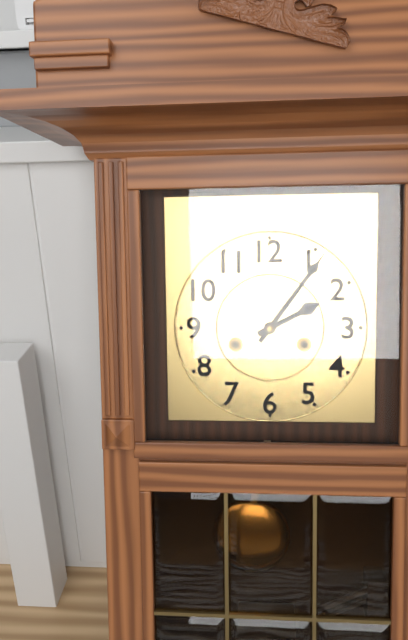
2.06
